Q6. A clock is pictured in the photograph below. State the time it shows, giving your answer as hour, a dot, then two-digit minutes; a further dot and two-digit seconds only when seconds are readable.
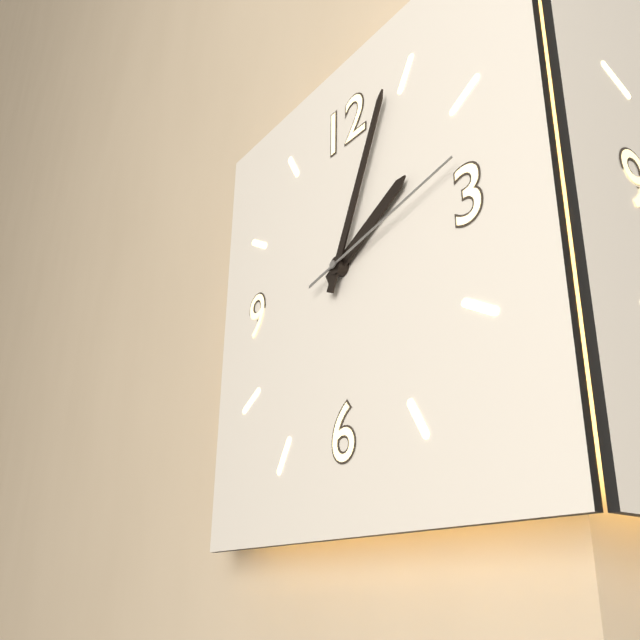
2.04.13
